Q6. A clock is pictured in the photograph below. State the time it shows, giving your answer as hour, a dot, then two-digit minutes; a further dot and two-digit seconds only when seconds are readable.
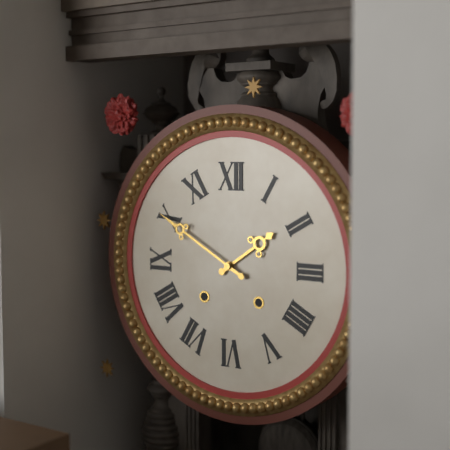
1.50
